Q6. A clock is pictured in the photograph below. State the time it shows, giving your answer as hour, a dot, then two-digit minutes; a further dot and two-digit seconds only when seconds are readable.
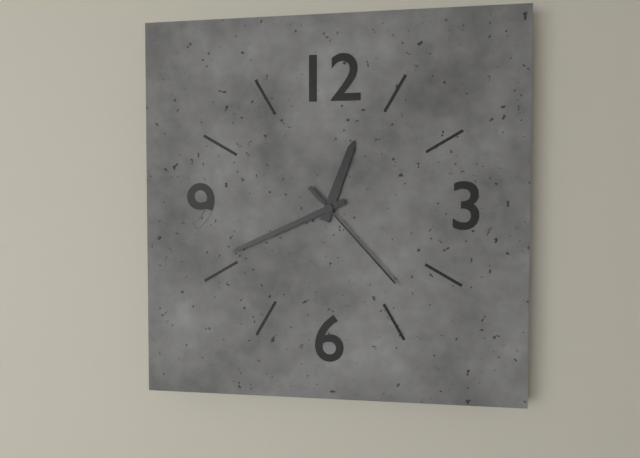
12.41.23
